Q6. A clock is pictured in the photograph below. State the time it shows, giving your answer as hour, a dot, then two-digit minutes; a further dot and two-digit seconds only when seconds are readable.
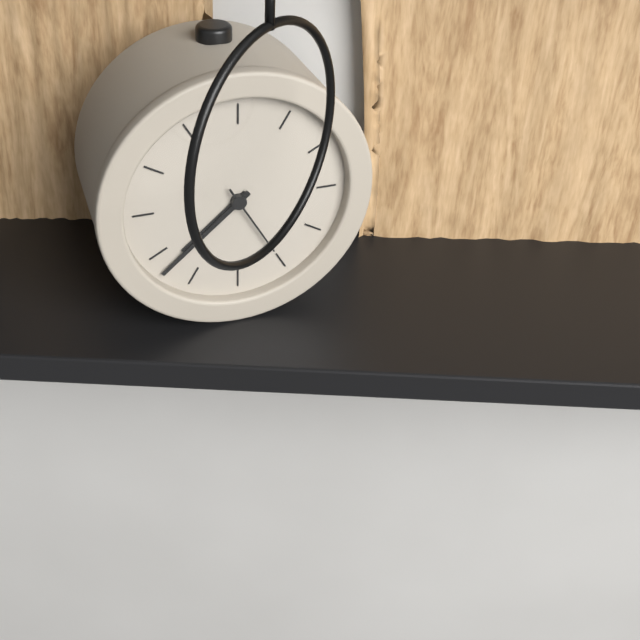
7.38.25
